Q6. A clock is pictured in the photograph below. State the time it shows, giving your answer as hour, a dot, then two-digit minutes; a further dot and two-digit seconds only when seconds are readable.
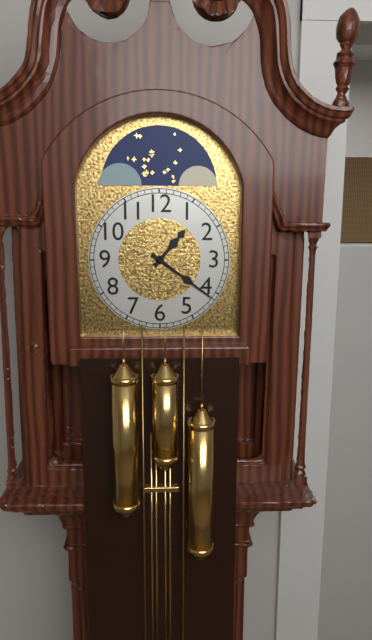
1.21
